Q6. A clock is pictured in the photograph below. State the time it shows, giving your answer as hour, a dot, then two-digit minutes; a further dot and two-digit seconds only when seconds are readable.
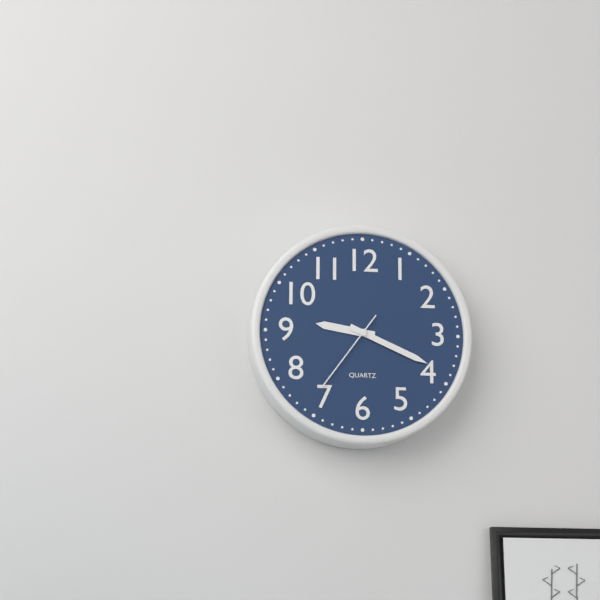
9.19.36
